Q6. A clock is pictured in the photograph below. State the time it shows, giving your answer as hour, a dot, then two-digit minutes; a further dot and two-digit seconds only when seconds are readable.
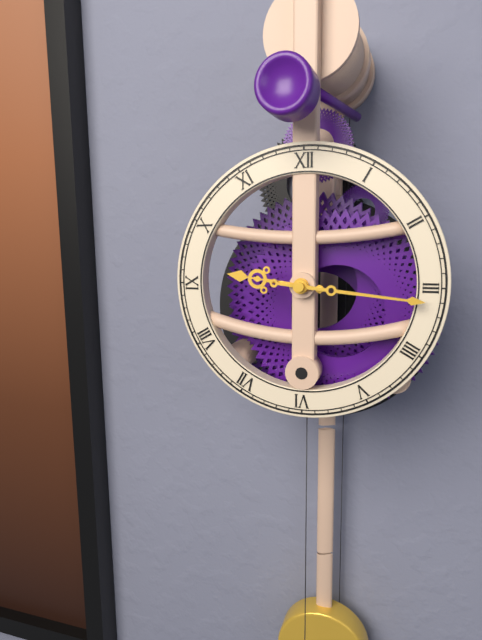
9.16
